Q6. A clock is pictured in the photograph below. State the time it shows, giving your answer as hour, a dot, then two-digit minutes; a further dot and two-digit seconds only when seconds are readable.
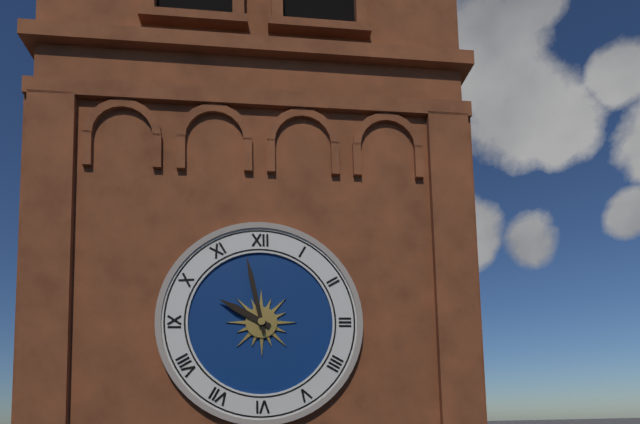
9.58
